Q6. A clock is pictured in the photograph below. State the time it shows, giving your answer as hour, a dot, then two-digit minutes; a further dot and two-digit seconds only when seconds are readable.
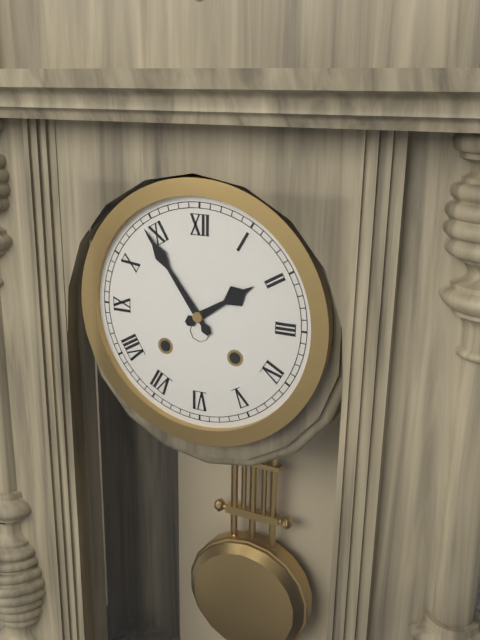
1.54
